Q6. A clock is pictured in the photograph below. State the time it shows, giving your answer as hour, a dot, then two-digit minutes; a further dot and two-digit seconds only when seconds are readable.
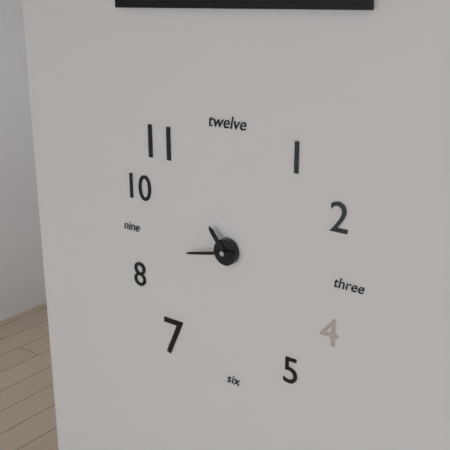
10.43
